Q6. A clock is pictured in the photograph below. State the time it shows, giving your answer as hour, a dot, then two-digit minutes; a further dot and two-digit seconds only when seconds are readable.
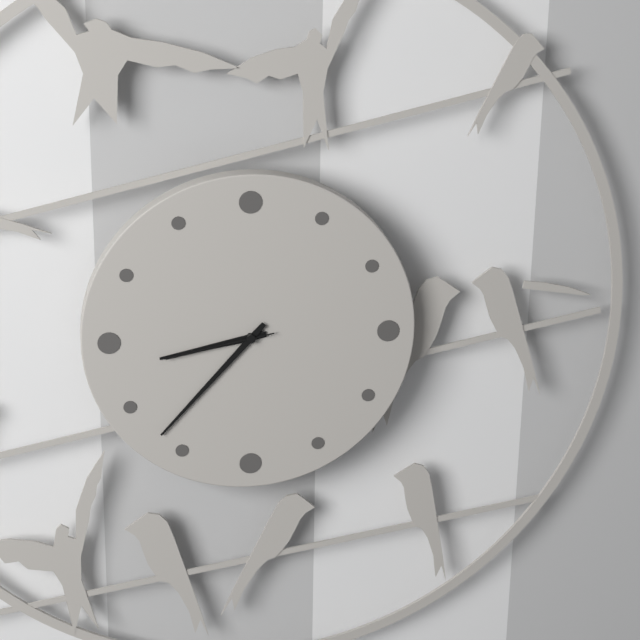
8.37.43
